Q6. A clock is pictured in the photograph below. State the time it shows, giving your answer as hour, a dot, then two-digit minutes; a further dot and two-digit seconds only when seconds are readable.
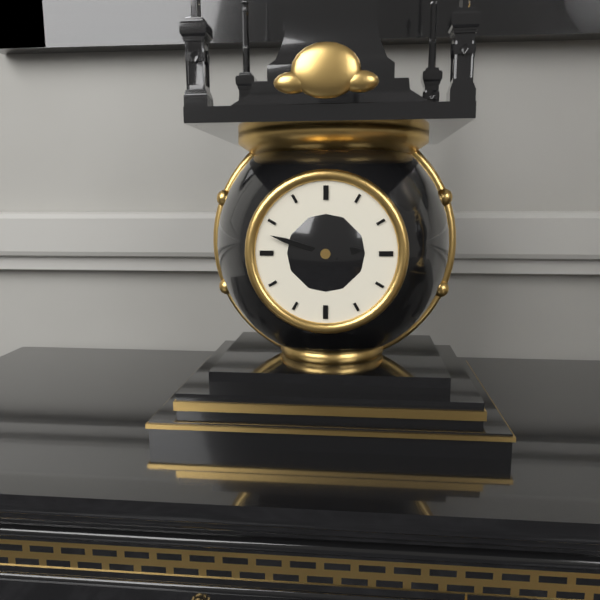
2.48
